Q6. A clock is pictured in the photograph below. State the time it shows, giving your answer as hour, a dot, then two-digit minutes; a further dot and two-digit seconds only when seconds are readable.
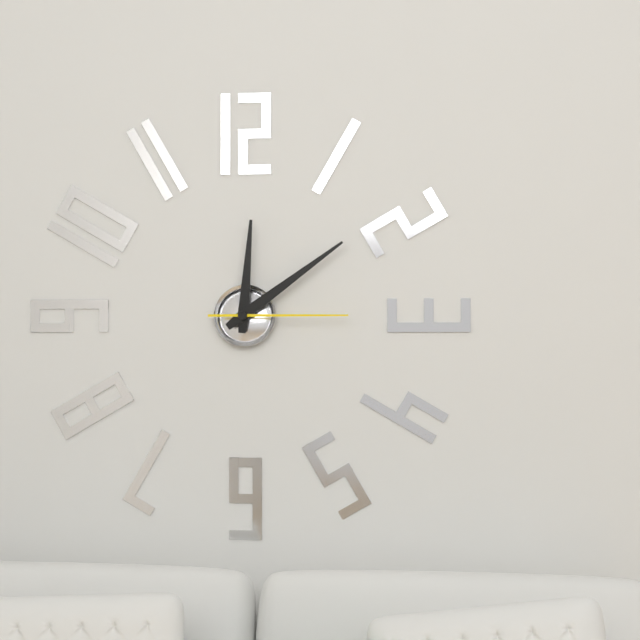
12.09.15
